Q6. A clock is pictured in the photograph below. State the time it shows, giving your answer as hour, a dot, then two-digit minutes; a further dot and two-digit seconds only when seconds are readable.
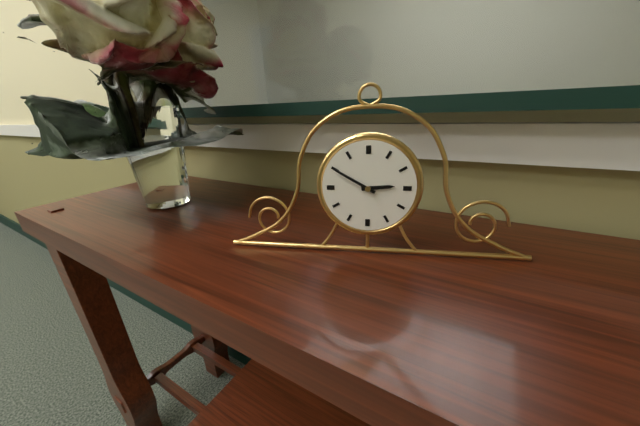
2.50
